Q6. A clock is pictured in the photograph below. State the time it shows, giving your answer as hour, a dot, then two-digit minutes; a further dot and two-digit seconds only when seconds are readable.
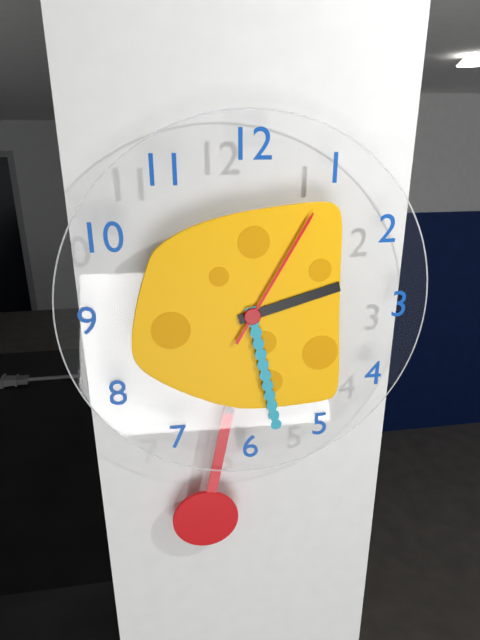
2.28.05
